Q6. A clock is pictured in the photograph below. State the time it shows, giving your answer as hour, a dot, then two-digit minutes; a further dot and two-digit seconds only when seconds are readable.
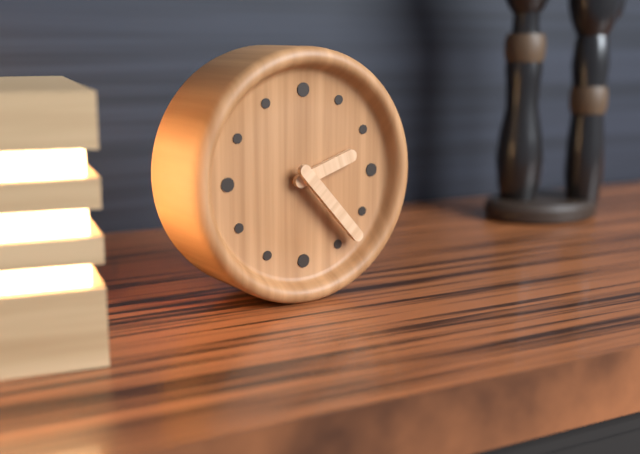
2.23
